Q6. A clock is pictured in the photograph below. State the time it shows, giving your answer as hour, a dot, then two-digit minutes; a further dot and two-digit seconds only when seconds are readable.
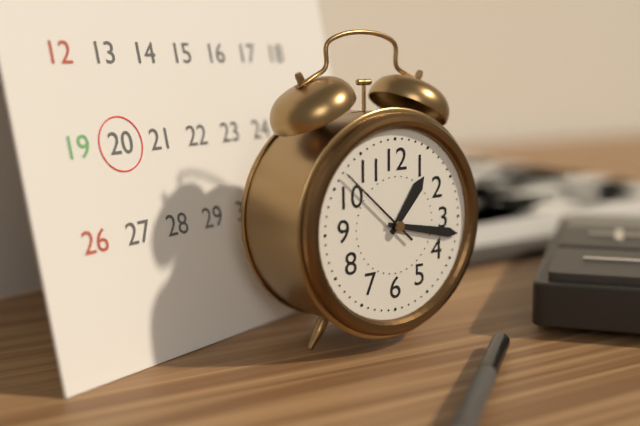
1.17.52
